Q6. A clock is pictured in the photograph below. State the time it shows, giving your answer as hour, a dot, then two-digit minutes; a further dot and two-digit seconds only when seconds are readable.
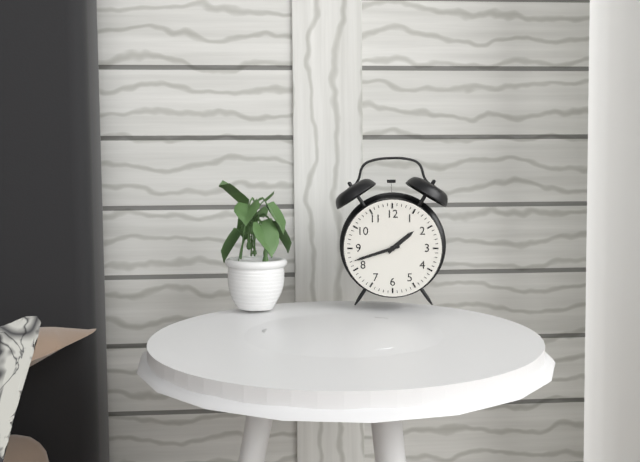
1.42
